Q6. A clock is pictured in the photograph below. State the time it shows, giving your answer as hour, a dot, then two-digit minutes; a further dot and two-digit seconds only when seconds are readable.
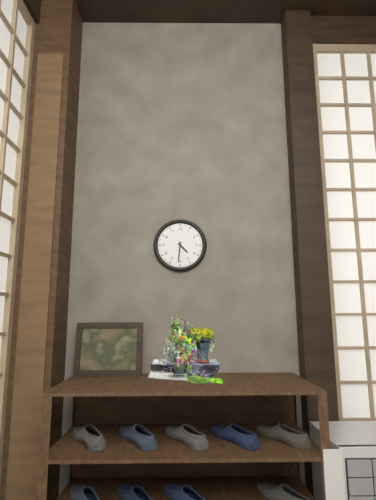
4.31
